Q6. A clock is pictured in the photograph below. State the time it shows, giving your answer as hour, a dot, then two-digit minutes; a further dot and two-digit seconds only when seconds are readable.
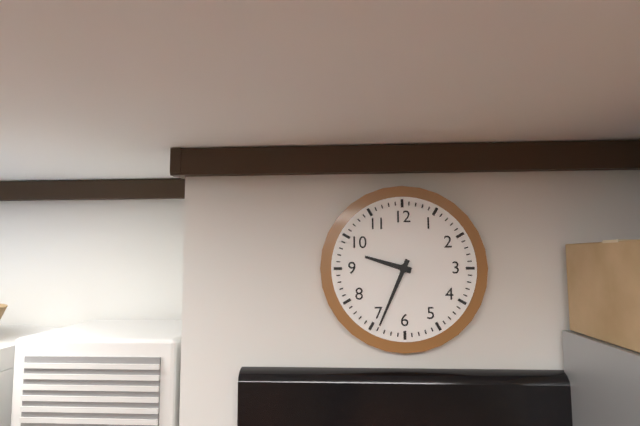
9.34
